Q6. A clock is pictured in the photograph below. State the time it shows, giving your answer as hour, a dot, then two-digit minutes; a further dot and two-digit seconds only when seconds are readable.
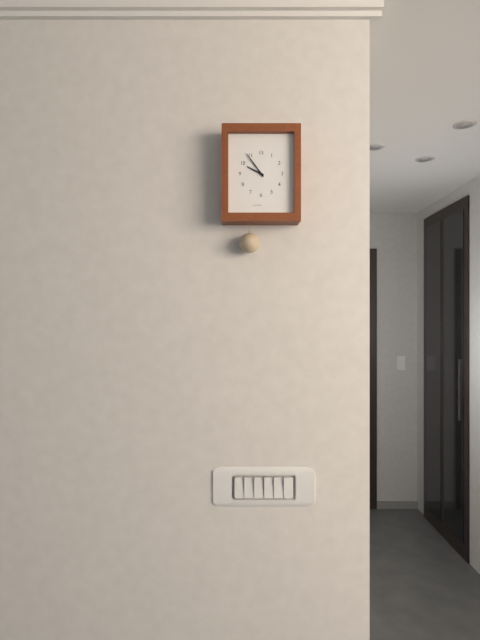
9.54
